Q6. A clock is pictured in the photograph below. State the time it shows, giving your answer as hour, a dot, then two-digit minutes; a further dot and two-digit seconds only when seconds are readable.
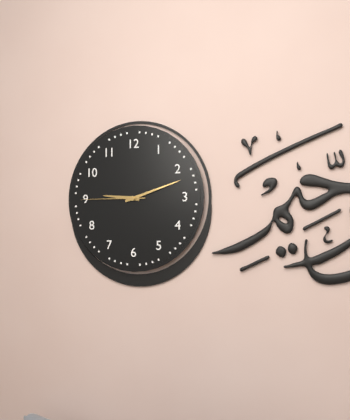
9.12.45
